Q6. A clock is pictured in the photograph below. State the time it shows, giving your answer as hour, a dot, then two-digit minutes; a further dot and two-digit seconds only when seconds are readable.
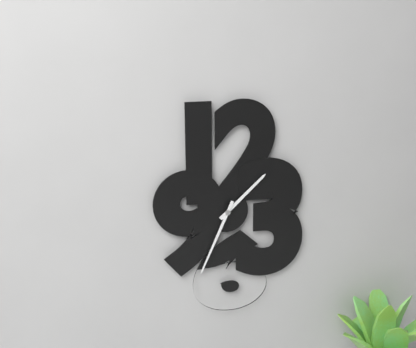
1.34
